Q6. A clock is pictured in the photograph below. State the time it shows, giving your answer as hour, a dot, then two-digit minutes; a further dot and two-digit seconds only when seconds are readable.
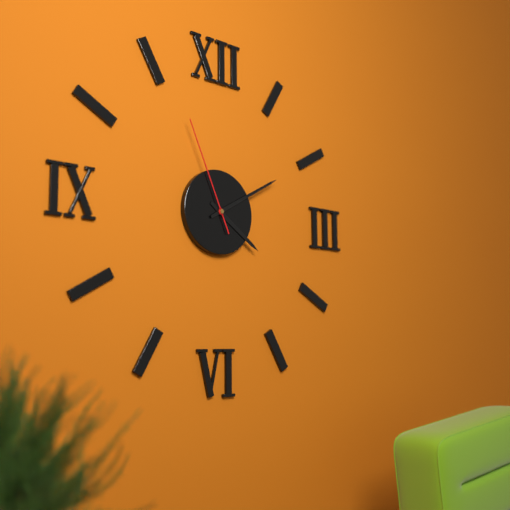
4.10.56
